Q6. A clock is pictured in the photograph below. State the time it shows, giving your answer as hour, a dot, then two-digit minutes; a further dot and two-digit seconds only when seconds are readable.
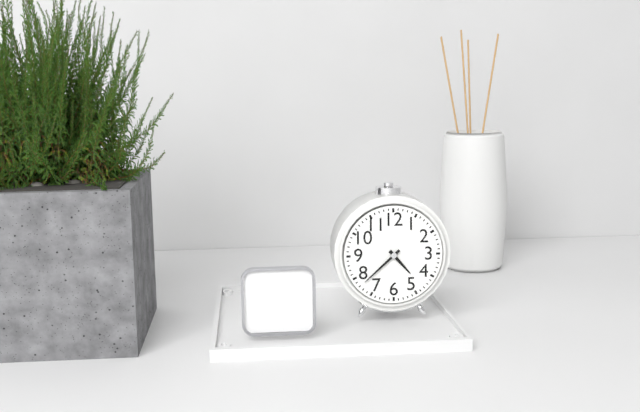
4.38
